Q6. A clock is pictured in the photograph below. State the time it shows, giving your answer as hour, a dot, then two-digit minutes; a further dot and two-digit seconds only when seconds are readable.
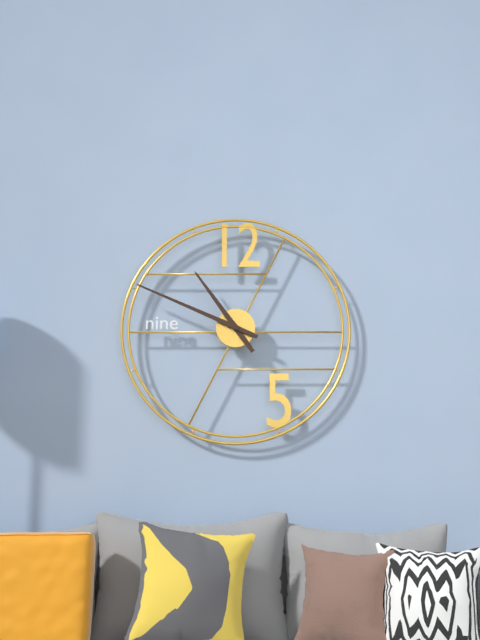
10.49
